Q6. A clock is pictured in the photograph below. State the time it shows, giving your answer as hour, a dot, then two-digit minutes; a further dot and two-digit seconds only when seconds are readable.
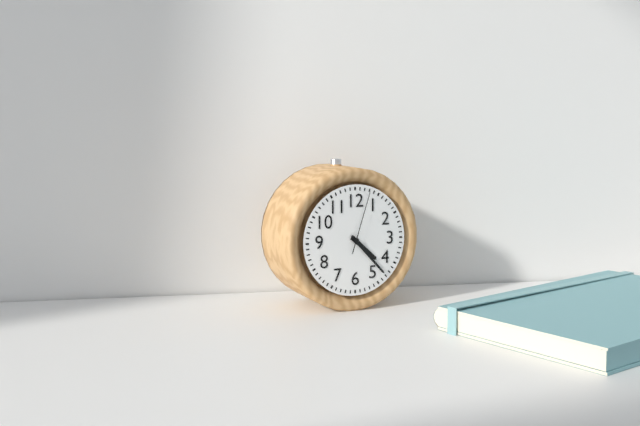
4.23.03
